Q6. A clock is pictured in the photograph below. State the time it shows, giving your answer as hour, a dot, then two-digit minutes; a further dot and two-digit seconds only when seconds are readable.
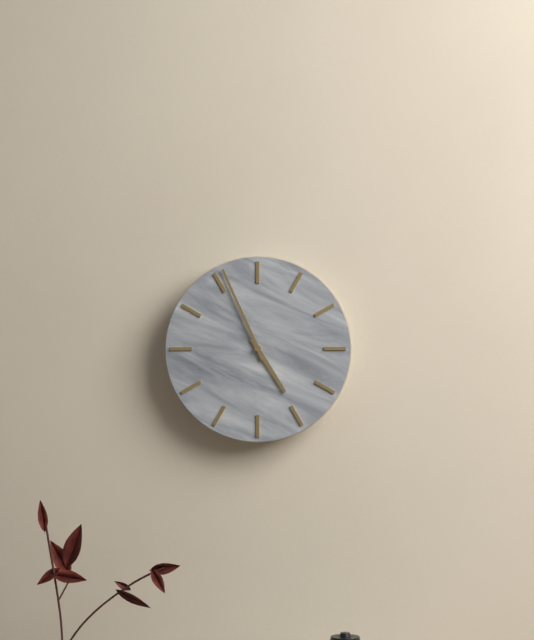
4.56
